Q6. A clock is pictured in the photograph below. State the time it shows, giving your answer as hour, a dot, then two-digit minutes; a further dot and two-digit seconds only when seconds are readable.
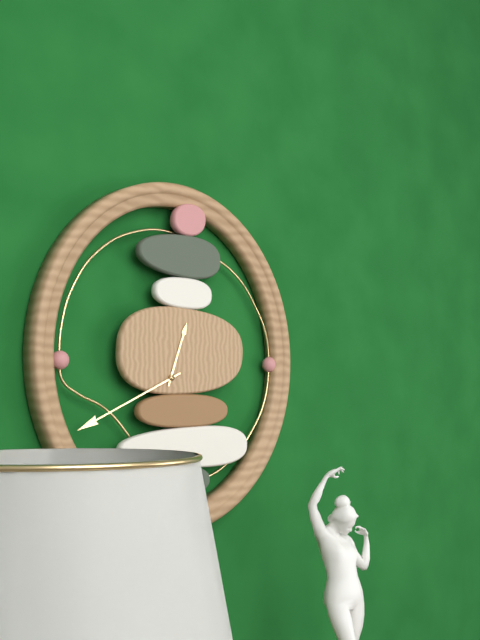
12.41
